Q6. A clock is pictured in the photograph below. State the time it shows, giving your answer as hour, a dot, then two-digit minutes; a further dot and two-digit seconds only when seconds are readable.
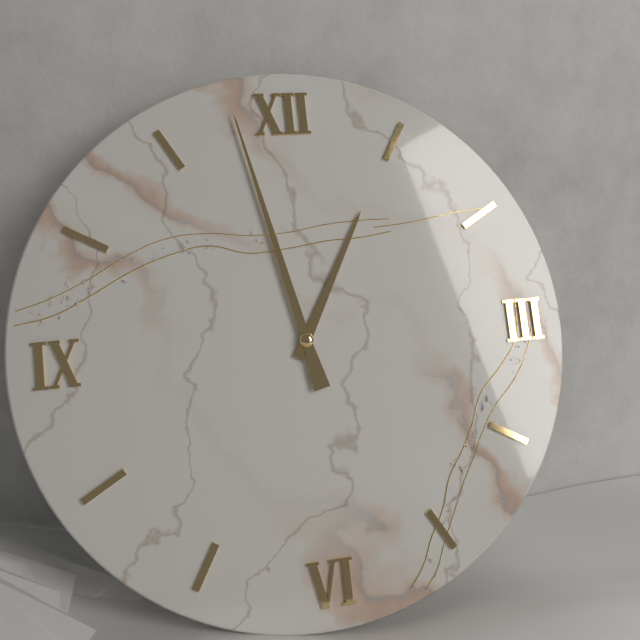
12.58
